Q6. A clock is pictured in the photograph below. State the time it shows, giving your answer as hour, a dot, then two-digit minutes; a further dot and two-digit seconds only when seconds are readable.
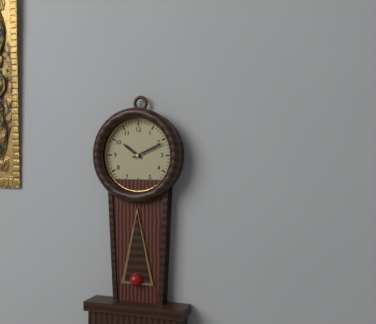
10.11
